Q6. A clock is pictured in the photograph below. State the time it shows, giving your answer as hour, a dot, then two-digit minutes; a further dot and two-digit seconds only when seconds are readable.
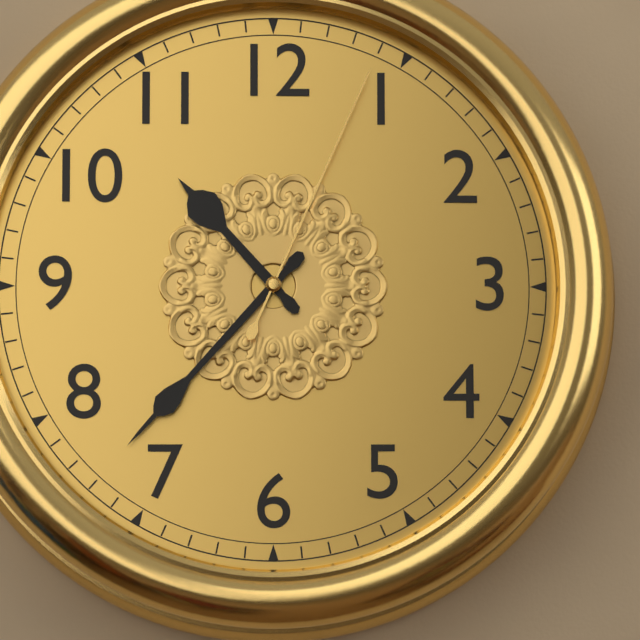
10.37.04
